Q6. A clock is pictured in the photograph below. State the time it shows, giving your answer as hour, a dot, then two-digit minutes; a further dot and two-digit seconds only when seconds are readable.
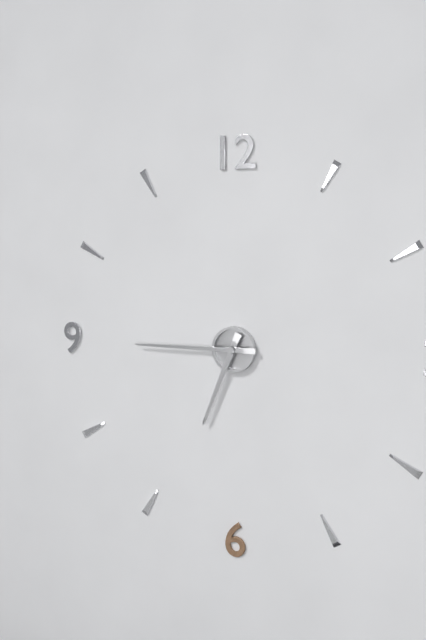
6.45
